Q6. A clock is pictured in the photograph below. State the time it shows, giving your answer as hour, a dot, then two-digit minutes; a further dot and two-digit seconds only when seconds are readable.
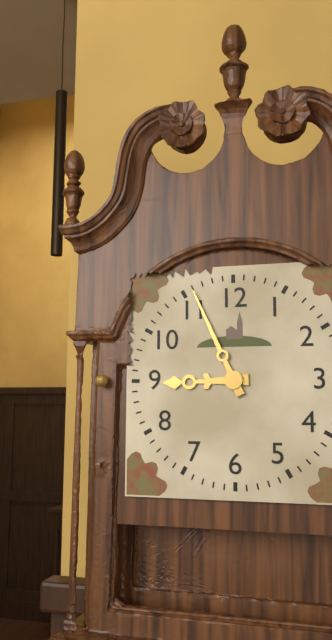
8.56
